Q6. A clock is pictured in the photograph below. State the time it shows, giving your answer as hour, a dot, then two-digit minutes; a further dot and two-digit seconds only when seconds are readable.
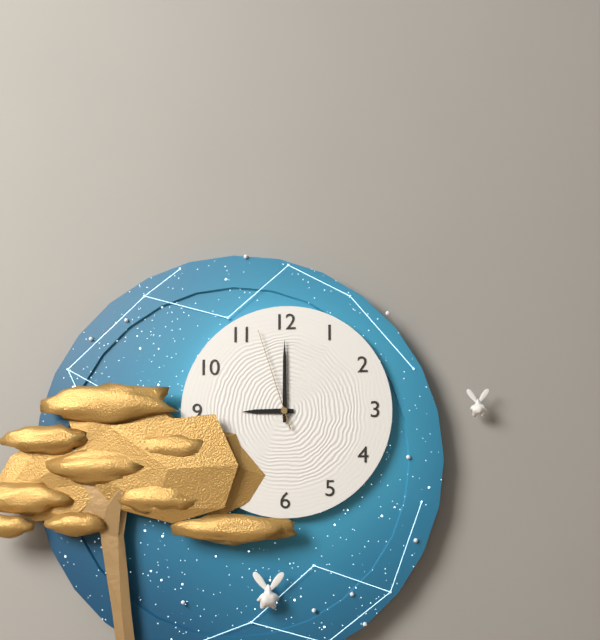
9.00.57
